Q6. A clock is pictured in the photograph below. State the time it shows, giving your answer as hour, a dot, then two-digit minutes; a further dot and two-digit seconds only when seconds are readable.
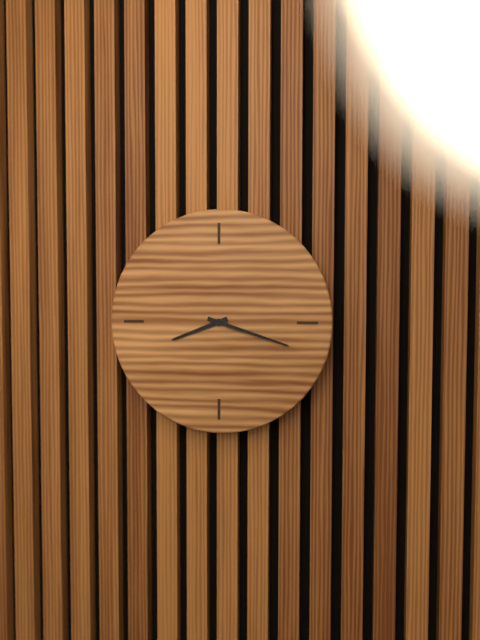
8.18
